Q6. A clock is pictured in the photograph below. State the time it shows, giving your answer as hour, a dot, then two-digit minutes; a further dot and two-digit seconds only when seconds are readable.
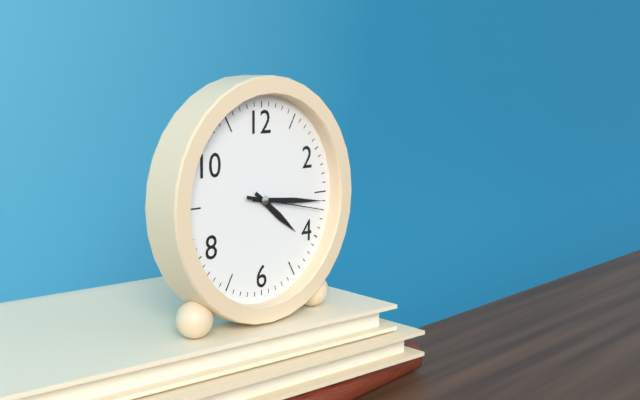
4.16.17
